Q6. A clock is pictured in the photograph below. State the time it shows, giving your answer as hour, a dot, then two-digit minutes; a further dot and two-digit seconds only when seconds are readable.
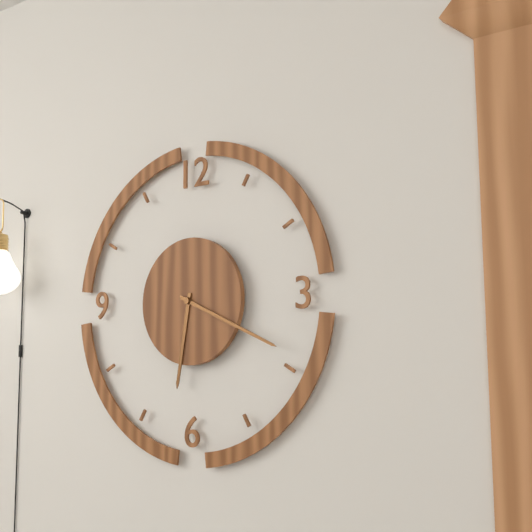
6.19
